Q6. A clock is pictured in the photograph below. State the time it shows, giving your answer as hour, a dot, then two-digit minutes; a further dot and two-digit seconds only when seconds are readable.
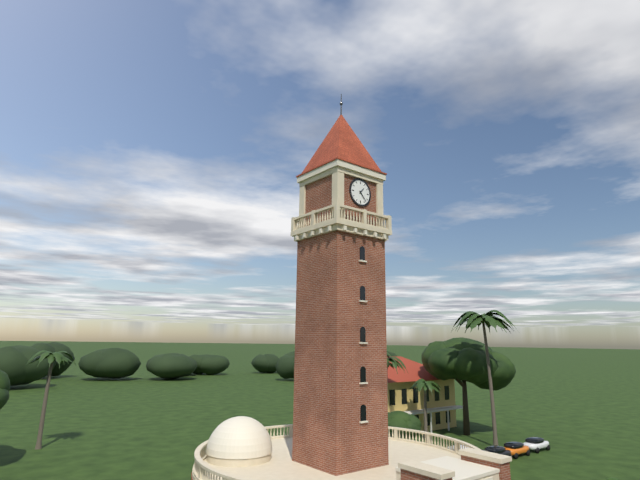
1.23
